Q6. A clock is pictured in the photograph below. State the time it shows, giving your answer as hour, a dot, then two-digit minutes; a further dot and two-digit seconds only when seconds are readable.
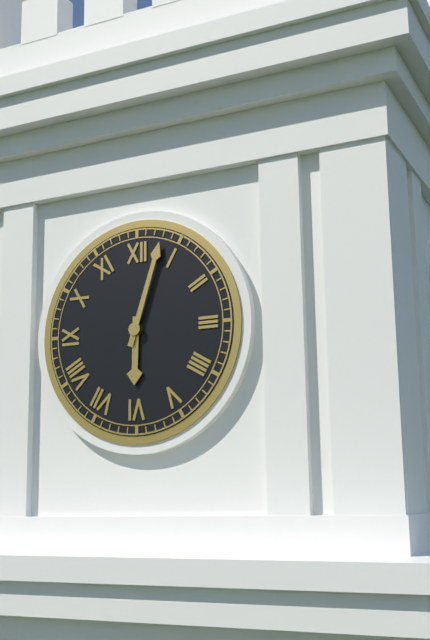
6.03
